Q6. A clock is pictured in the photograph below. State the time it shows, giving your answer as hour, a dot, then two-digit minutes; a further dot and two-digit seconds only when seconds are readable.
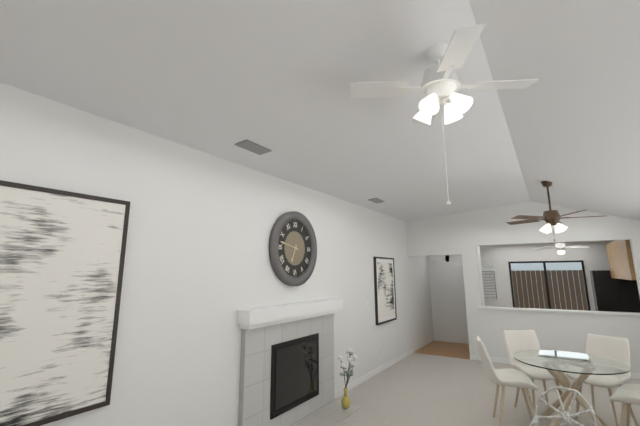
6.47
